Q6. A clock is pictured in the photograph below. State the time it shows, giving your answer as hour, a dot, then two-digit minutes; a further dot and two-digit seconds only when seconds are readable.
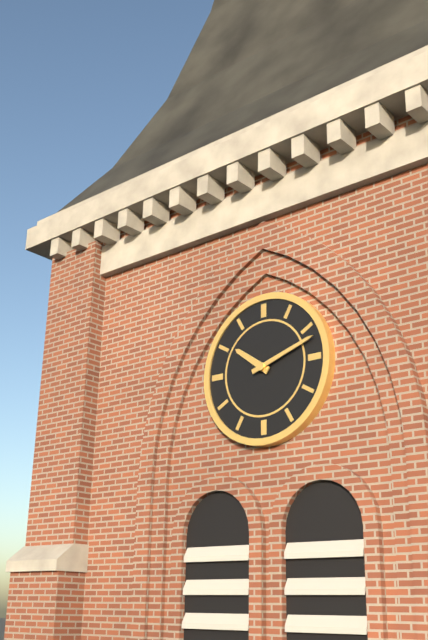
10.12
